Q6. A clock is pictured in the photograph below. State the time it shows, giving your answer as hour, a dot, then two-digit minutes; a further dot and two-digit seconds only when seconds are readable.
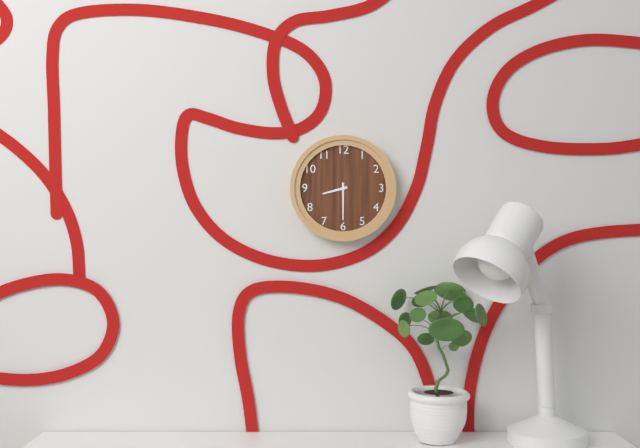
8.30
